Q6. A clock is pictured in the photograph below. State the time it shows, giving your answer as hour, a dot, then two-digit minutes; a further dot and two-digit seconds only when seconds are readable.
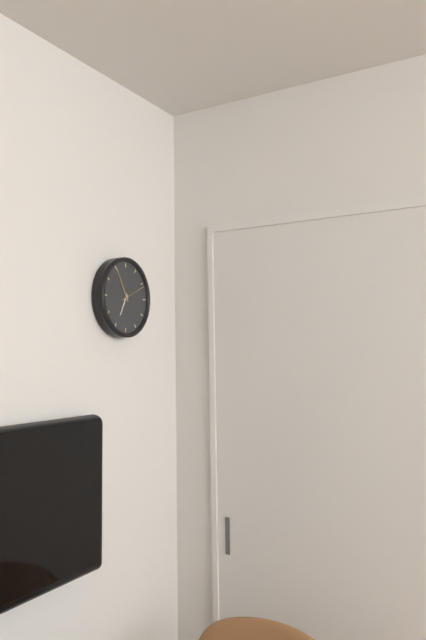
6.55
